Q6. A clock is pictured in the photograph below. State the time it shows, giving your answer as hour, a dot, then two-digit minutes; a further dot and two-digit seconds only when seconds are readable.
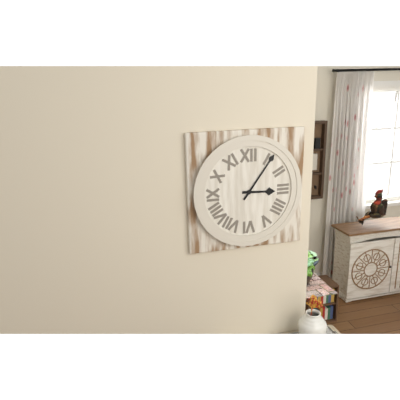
3.06
